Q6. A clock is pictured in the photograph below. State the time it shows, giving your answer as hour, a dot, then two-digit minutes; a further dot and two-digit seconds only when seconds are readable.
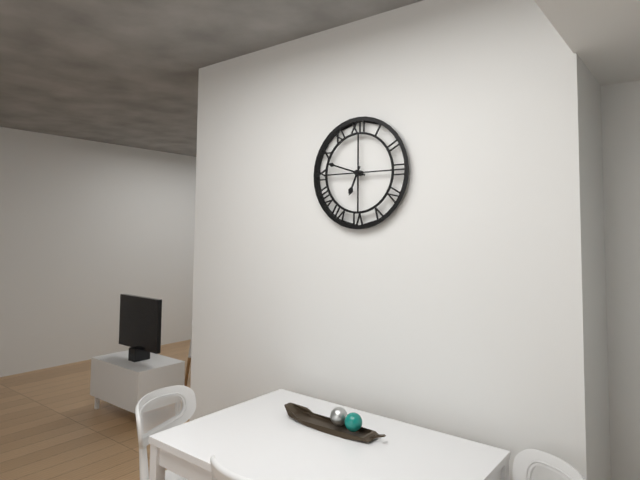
6.48
